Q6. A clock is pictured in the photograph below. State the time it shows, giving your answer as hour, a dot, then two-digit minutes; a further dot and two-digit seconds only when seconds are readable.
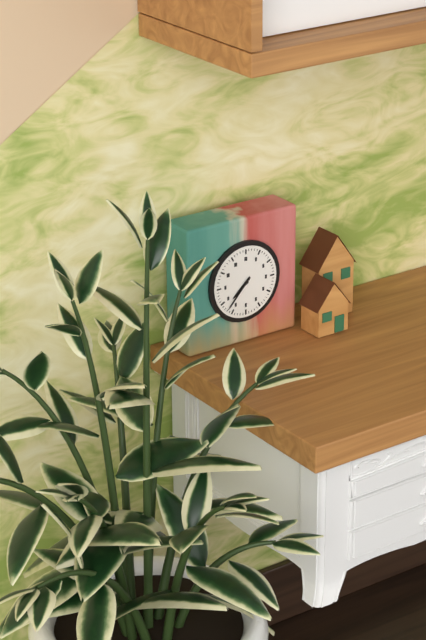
7.37
